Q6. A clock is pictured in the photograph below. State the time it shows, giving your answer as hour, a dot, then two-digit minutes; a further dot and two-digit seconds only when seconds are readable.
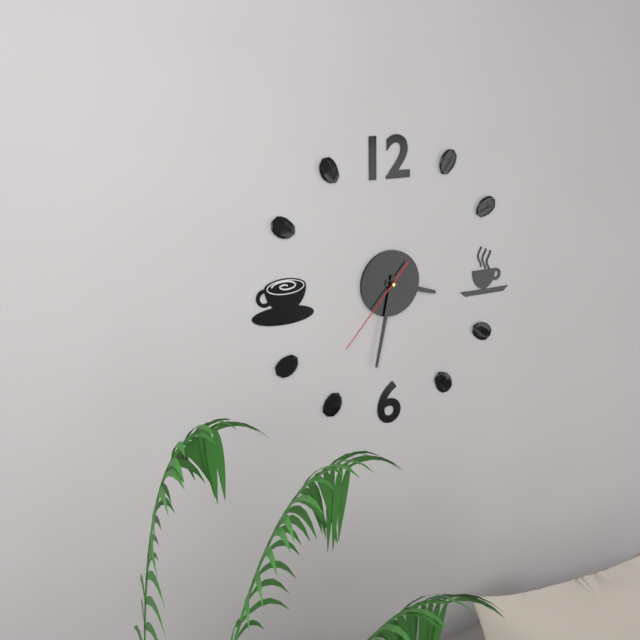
3.32.37
